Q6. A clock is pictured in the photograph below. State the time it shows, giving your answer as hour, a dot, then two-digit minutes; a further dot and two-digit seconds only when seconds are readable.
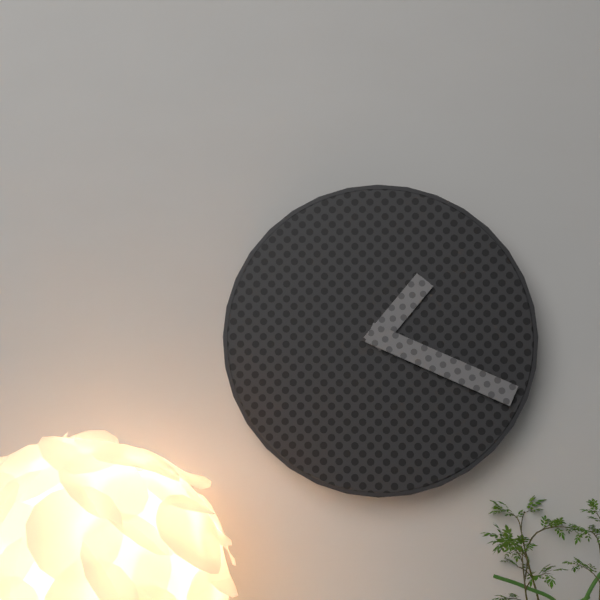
1.19
